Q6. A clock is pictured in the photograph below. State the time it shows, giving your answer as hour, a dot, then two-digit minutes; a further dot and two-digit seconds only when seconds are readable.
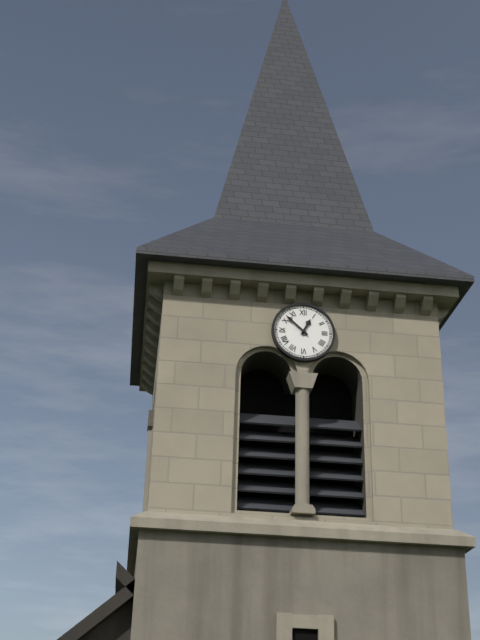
12.52
